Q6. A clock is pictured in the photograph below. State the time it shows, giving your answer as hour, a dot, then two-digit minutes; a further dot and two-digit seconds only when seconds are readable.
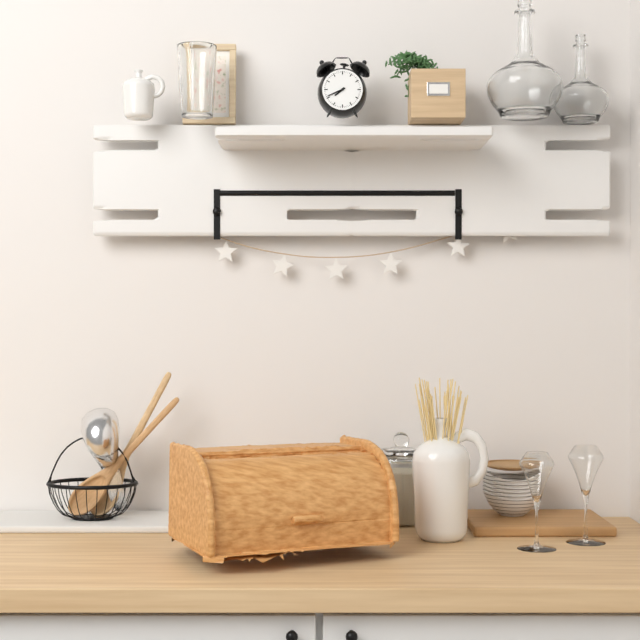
7.41
